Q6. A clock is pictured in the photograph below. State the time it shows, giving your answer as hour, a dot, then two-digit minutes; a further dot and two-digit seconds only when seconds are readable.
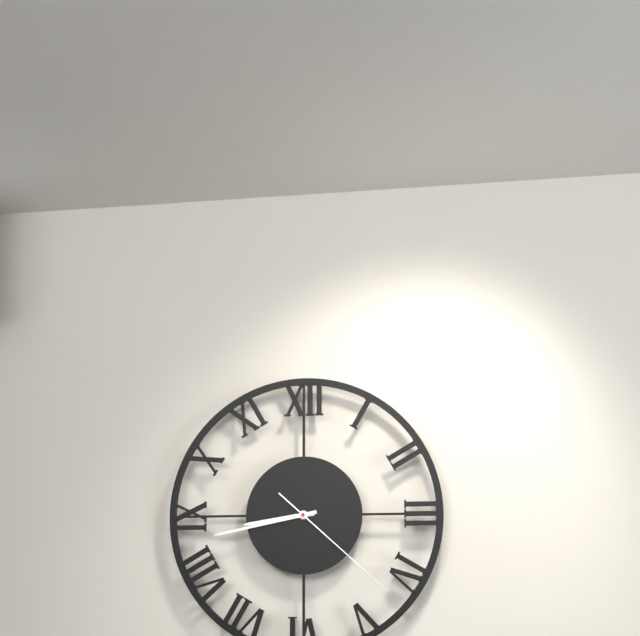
8.43.22
